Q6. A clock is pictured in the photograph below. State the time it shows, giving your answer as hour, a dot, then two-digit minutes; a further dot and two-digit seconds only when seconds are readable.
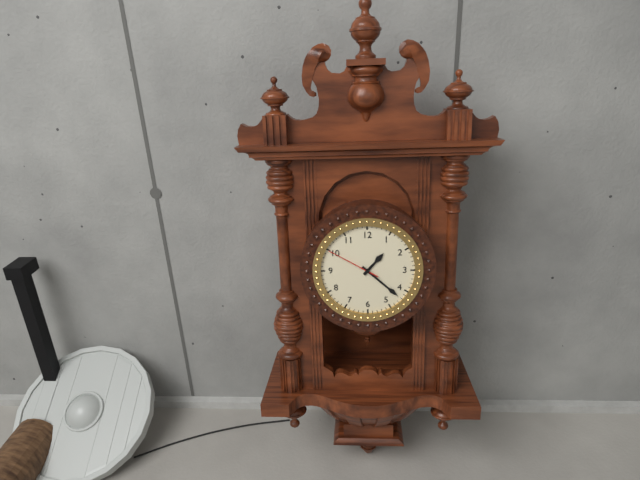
1.22.50
